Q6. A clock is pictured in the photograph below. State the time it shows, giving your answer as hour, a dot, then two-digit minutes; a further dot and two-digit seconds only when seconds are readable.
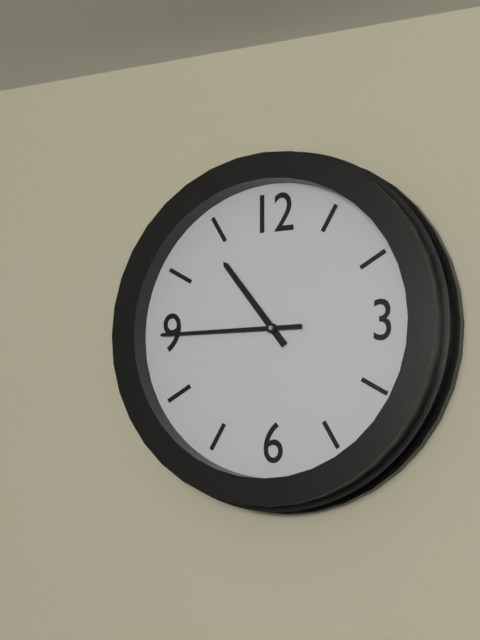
10.45
